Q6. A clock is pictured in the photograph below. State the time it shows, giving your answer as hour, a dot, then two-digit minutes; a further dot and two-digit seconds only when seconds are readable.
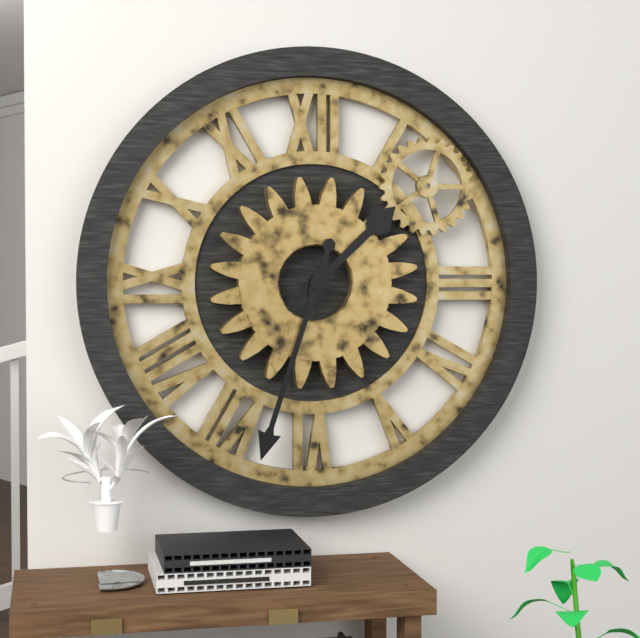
1.33
